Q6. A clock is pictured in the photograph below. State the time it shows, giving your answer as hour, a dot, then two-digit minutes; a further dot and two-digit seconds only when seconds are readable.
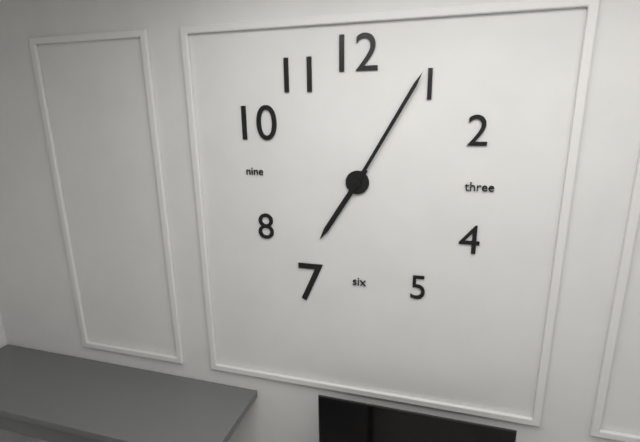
7.05
